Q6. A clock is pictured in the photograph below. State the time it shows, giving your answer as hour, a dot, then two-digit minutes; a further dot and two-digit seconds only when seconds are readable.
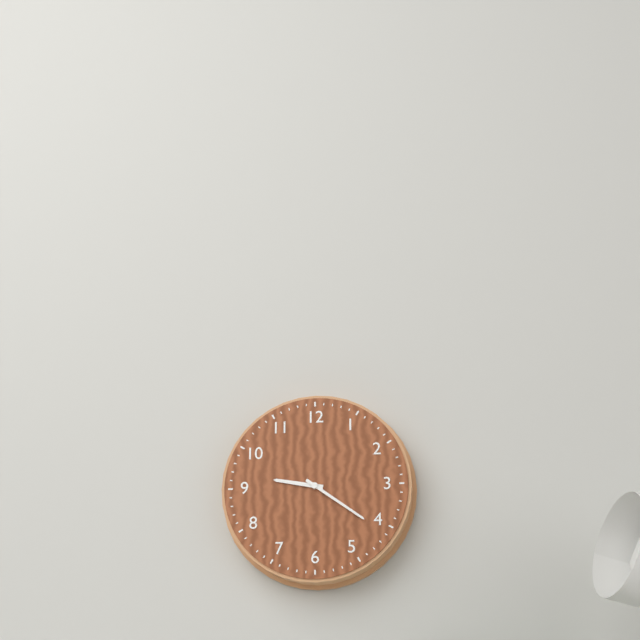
9.21
